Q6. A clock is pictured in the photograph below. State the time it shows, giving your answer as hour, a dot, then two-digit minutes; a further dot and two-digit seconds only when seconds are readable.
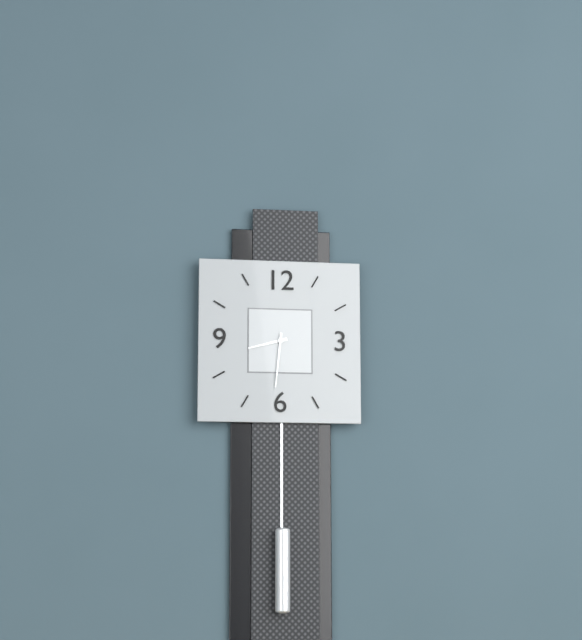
8.31
